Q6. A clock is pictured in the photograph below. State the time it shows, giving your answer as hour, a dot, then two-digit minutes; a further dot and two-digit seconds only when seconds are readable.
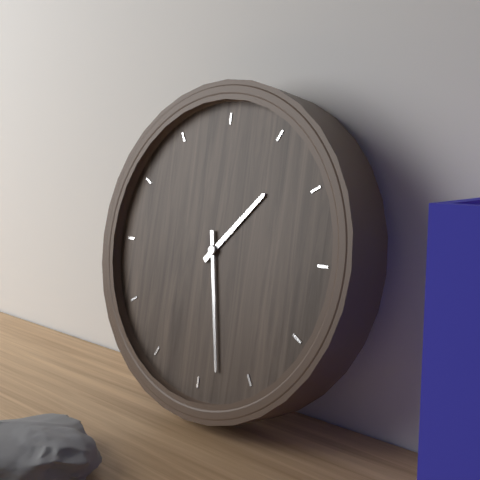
1.28
